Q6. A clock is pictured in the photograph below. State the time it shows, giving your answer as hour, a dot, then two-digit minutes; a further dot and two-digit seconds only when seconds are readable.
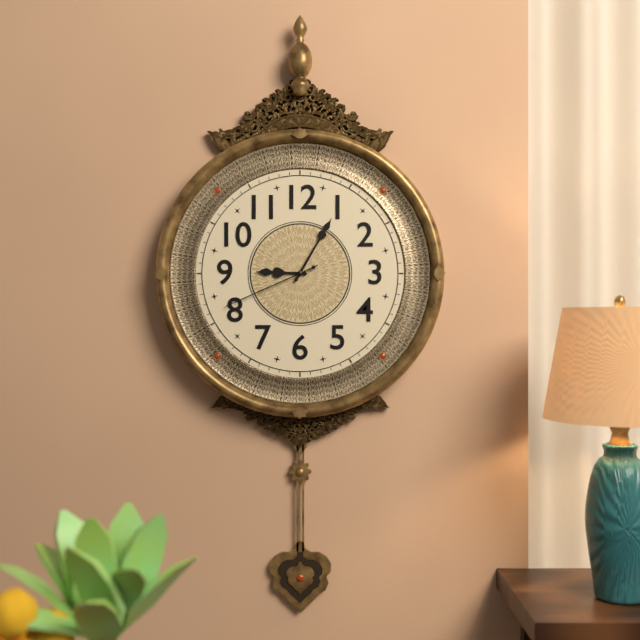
9.05.41
